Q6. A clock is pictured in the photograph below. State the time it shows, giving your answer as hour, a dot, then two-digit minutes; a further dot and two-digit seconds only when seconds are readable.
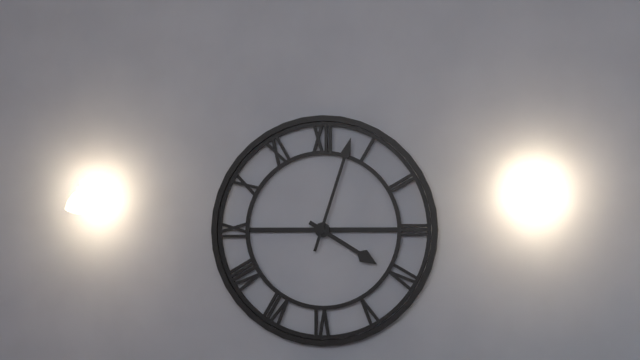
4.03
